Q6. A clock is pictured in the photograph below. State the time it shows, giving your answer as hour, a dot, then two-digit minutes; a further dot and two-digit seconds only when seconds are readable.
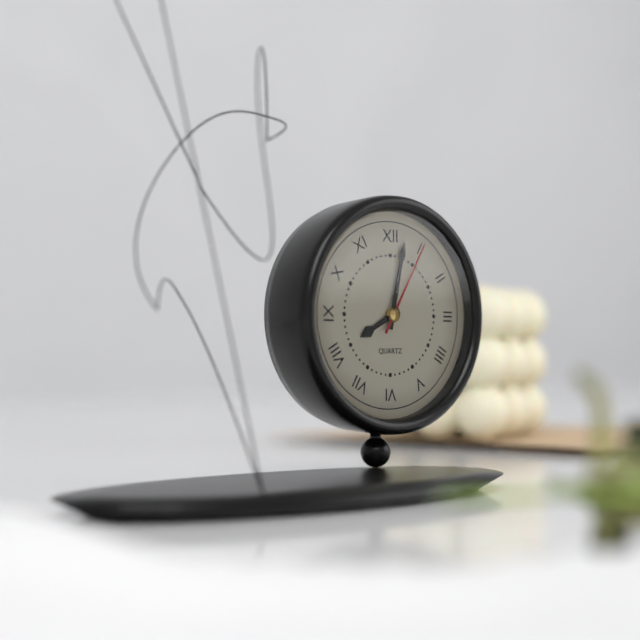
8.02.05
